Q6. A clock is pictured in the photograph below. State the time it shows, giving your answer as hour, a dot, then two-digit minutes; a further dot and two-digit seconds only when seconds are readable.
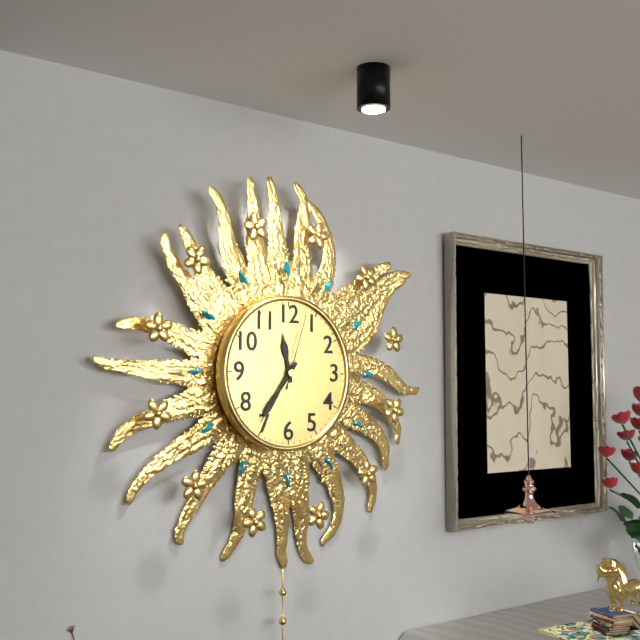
11.36.03
